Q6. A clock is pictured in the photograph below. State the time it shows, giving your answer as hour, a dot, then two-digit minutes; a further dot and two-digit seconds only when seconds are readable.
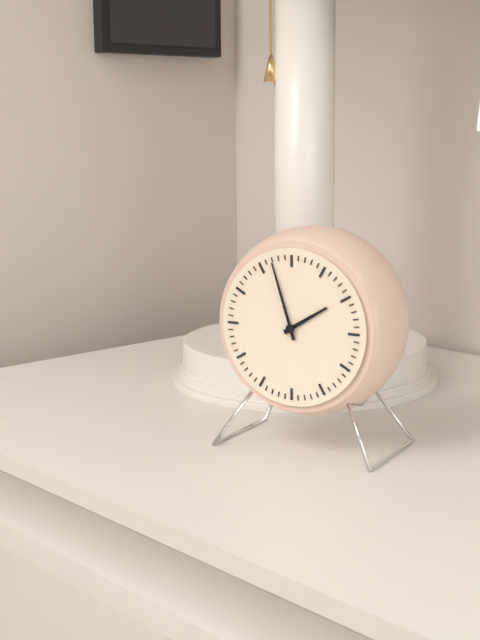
1.57
